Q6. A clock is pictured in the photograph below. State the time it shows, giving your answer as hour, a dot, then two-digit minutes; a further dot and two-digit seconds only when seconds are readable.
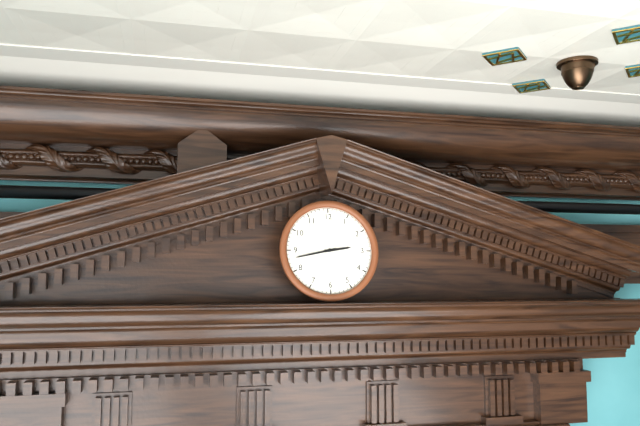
2.43
